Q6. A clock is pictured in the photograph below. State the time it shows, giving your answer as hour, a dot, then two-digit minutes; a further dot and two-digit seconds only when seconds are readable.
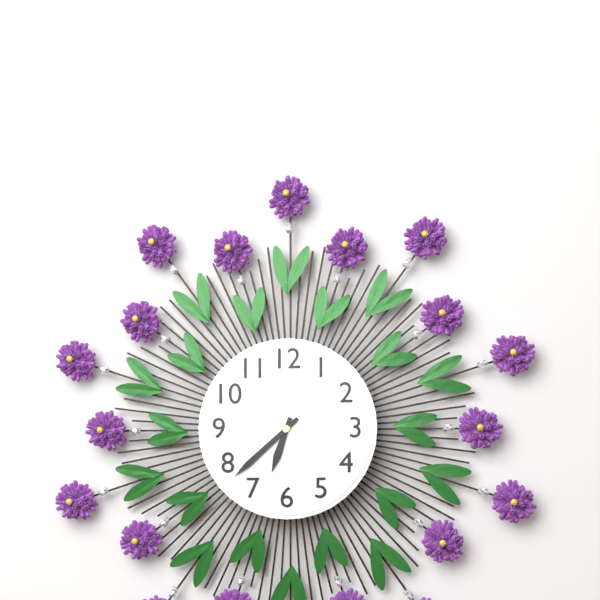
6.38
